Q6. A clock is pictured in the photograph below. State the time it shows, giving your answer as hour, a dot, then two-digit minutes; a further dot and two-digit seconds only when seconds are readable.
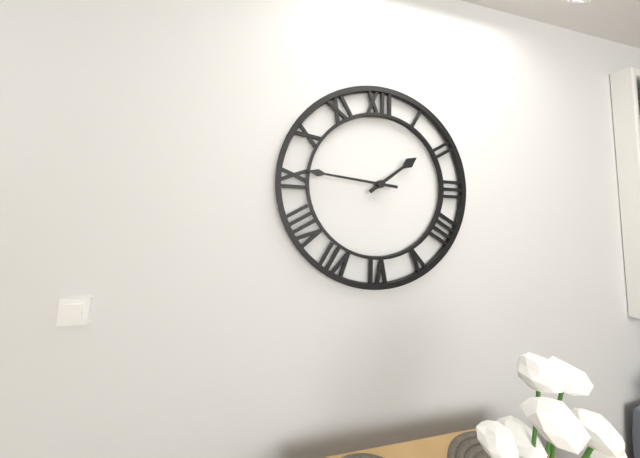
1.46
